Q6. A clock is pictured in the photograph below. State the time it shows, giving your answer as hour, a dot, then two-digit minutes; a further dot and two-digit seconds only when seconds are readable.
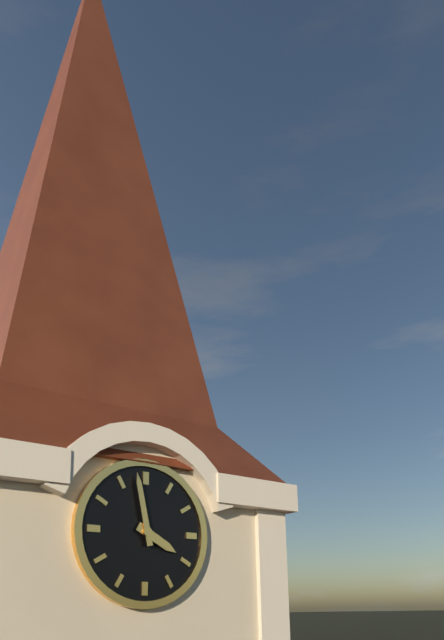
3.58
